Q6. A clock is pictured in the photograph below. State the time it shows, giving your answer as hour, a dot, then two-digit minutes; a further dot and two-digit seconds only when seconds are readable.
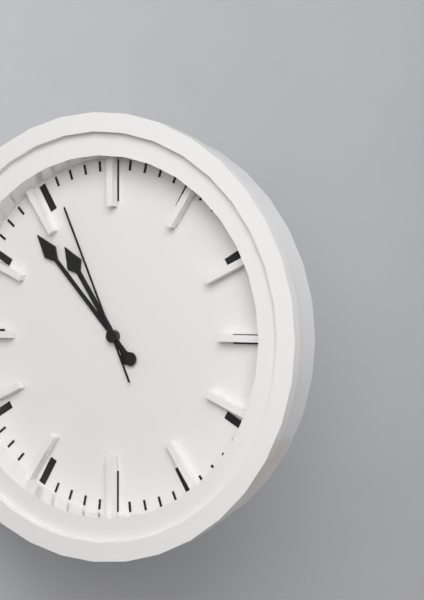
10.53.56
